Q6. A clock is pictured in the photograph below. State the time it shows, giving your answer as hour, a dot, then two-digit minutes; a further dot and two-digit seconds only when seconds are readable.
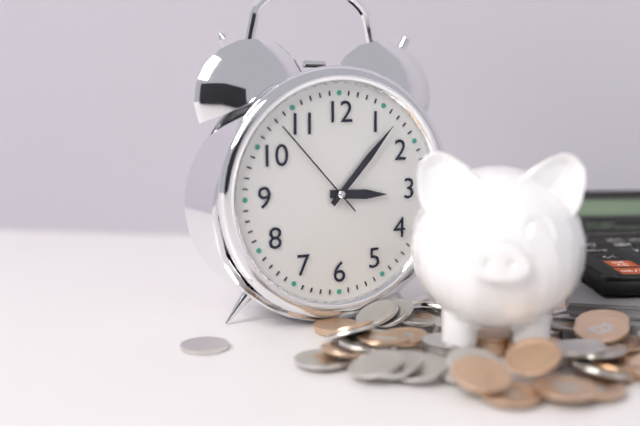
3.07.53
